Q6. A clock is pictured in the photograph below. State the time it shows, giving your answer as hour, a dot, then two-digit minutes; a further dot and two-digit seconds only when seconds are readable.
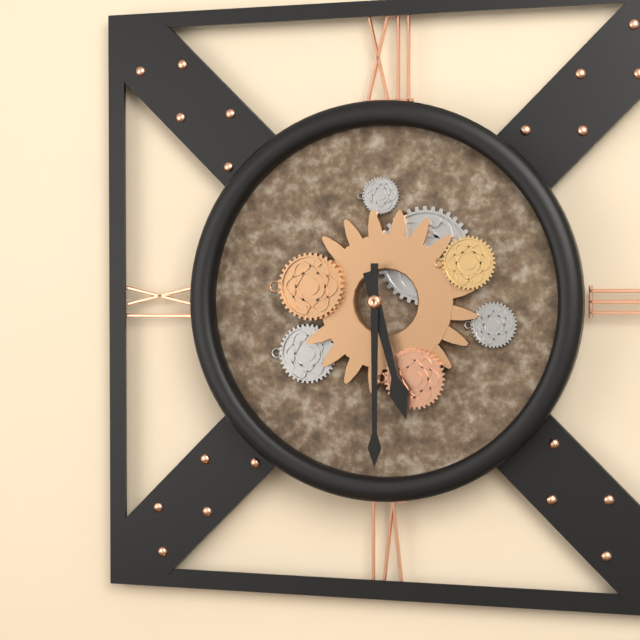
5.30
